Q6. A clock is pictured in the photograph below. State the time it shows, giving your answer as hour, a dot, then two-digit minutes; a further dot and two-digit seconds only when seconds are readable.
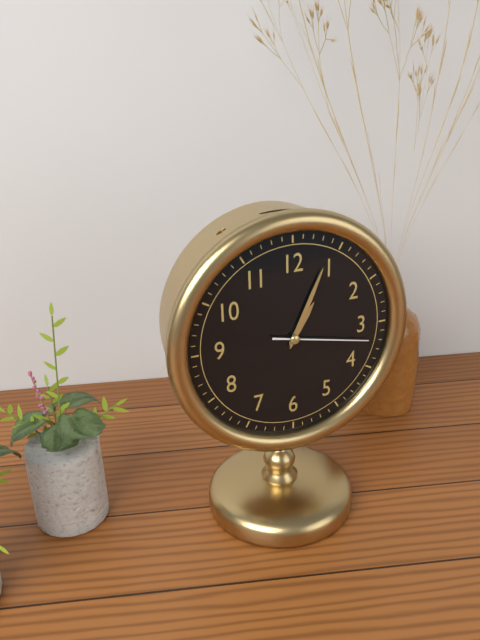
1.04.17
